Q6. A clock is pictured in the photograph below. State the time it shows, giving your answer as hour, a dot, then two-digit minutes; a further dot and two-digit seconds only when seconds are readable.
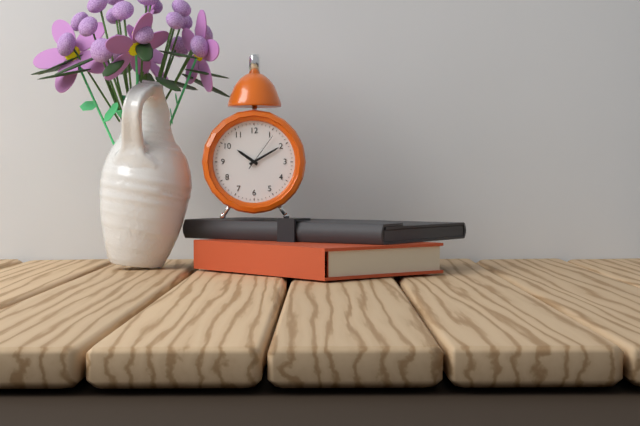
10.10
